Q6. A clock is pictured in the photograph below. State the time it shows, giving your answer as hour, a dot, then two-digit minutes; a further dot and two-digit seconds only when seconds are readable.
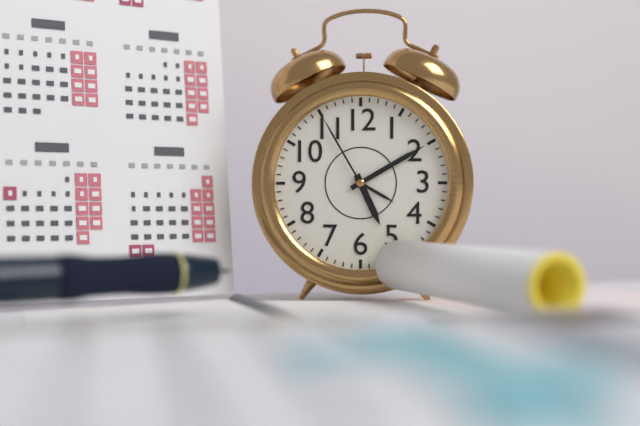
5.10.55
